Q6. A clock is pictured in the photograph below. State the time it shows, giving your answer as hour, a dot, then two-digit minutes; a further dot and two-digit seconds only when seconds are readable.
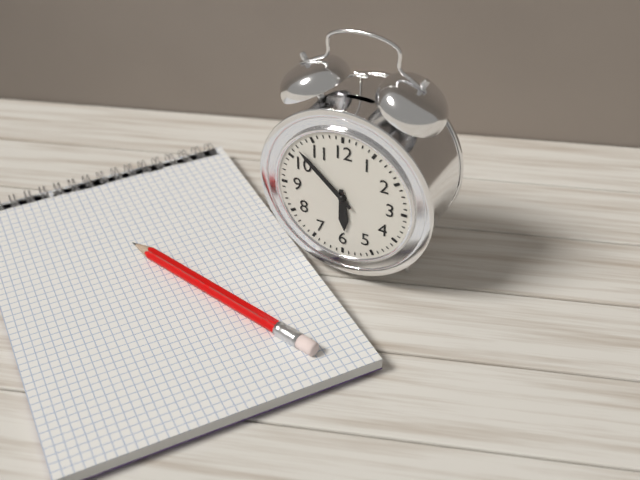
5.52
